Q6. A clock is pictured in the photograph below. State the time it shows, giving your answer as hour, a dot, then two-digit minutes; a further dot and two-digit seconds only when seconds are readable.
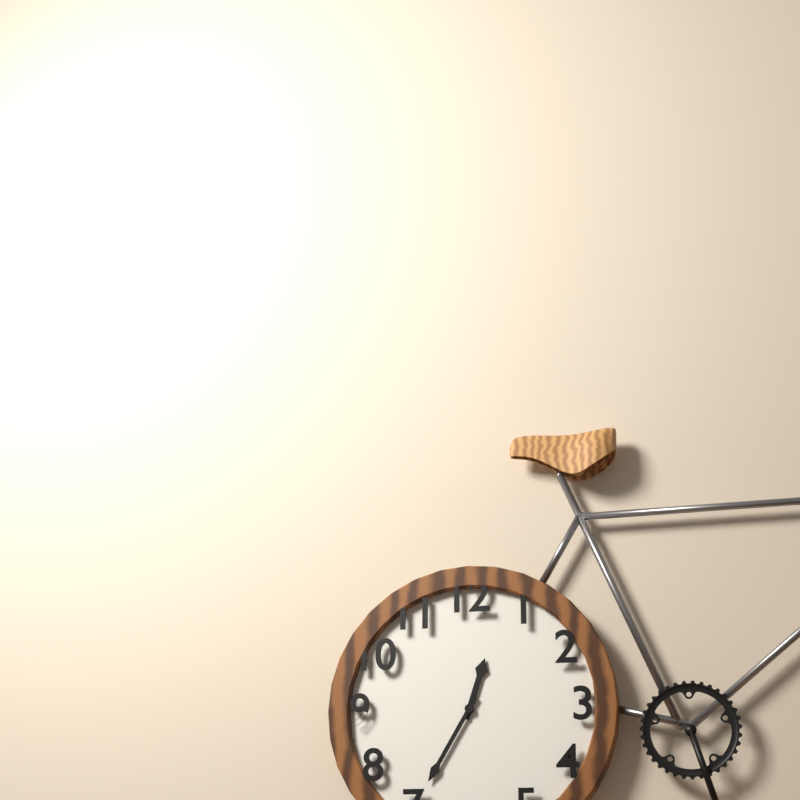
12.35
